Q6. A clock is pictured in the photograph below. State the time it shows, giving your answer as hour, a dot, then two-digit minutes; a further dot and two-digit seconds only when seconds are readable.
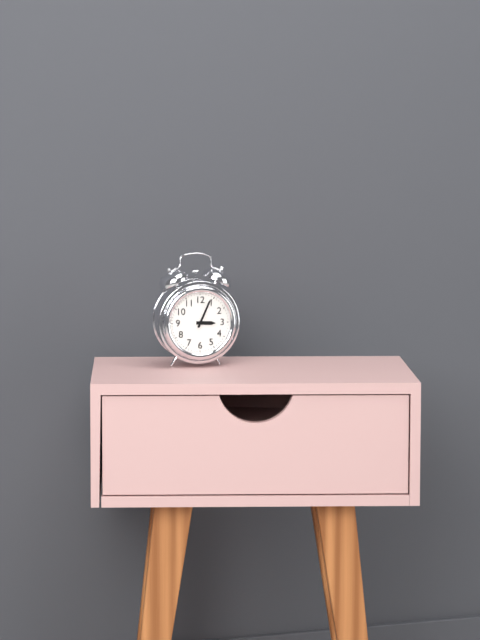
3.04
